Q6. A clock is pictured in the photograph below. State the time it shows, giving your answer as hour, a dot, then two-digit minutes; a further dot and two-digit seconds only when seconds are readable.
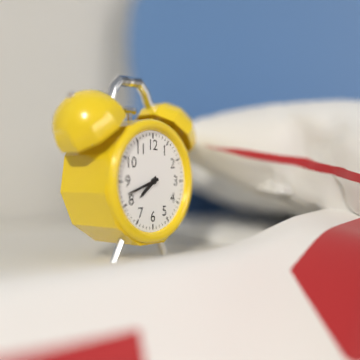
7.42
